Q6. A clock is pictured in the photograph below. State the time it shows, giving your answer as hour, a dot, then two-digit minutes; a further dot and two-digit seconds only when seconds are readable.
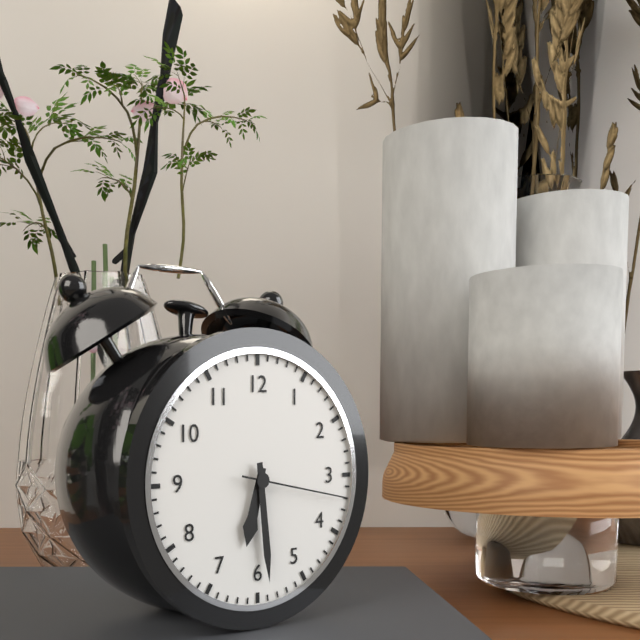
6.29.17
